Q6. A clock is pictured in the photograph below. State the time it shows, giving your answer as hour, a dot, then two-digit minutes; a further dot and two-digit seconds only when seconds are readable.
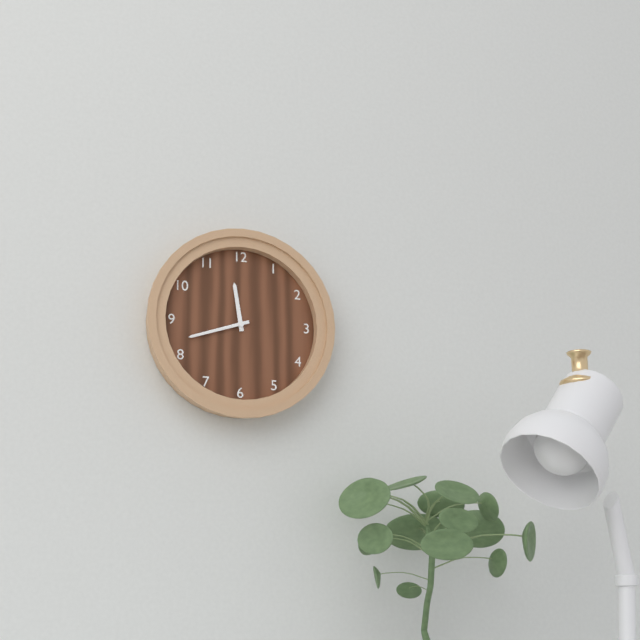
11.42
